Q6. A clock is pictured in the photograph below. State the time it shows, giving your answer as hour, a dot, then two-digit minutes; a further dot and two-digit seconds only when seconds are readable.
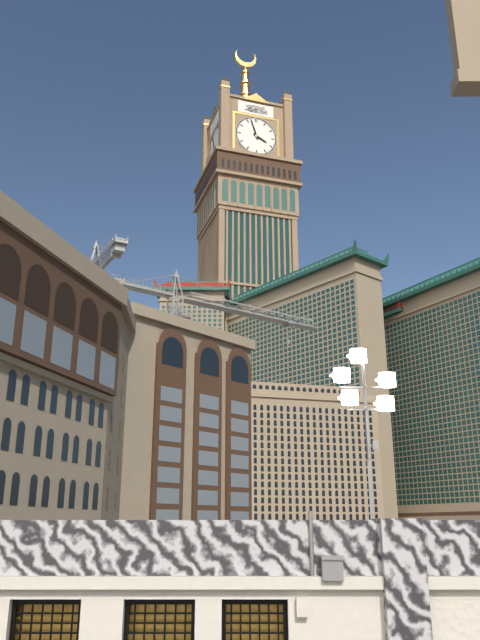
3.57
